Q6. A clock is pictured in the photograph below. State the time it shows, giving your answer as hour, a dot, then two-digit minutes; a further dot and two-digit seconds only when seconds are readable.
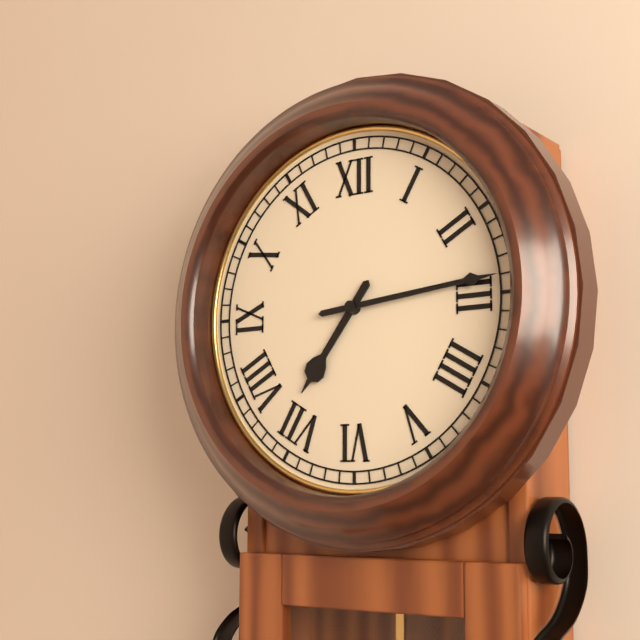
7.14
